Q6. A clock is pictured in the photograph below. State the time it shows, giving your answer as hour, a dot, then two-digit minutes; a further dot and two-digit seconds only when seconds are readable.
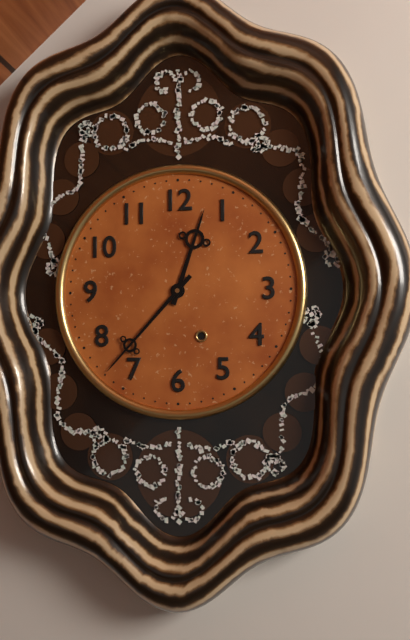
12.37
